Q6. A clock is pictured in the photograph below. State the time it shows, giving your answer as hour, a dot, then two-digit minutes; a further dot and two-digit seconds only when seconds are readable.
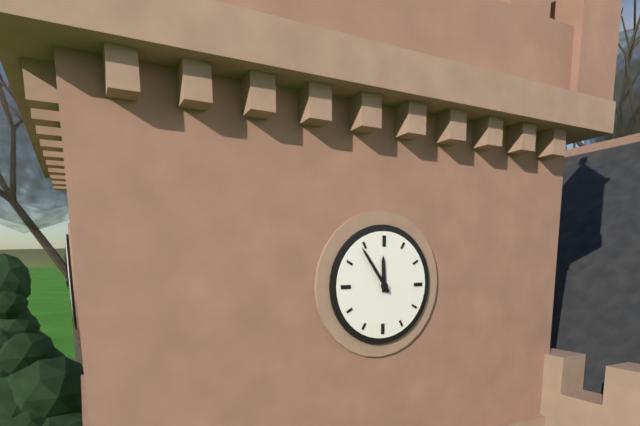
11.54
